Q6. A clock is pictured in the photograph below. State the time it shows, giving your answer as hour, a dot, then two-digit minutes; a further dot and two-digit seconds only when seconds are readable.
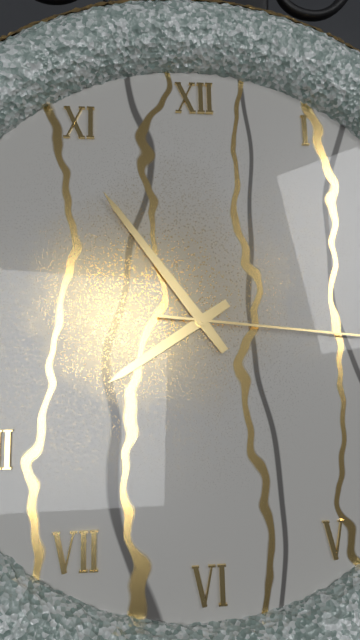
7.54
